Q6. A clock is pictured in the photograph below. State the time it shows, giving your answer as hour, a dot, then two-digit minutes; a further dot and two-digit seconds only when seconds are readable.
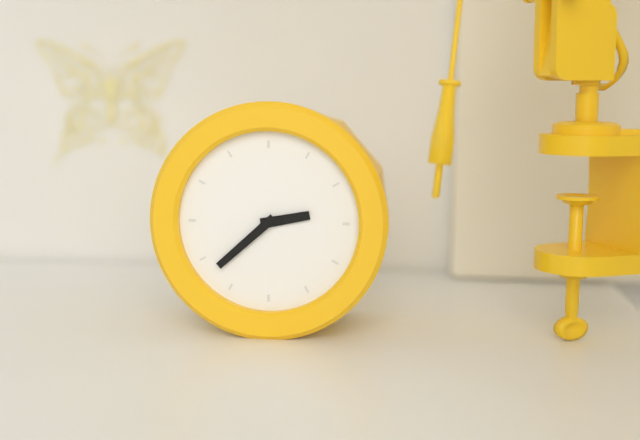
2.38
